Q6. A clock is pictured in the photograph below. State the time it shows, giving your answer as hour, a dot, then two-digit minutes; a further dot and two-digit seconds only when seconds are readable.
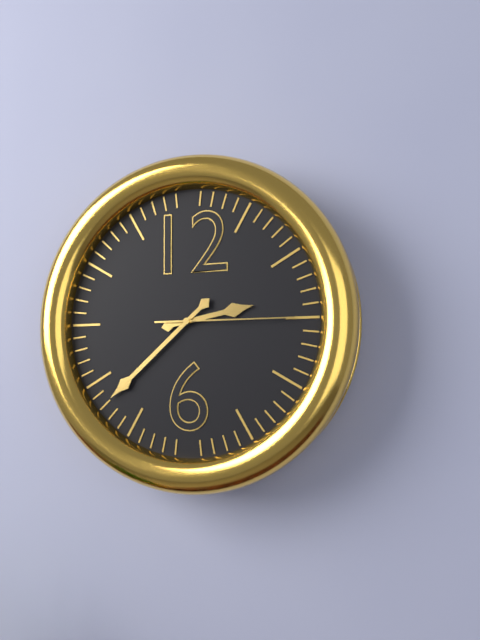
2.38.15
